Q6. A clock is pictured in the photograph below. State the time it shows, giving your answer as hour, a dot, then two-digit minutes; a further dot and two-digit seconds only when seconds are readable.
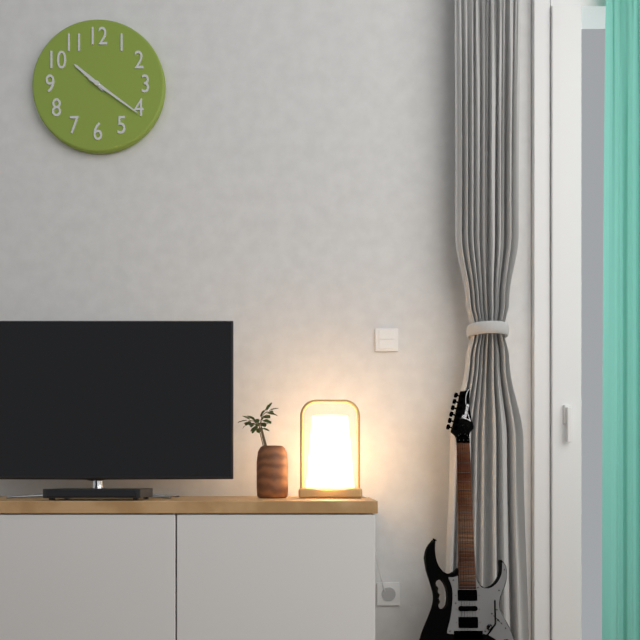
10.21
